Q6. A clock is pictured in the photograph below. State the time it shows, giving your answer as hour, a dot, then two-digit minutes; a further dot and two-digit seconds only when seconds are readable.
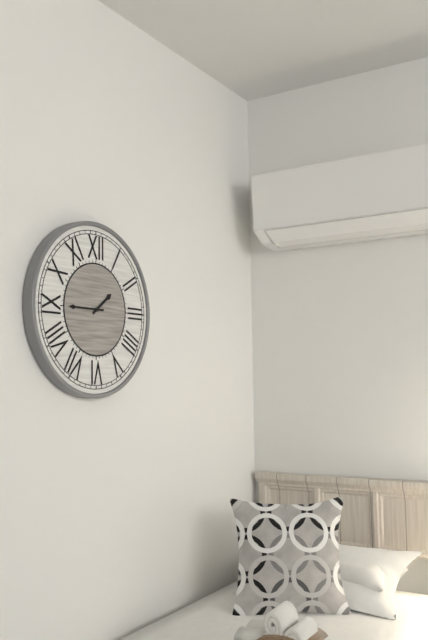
1.45
